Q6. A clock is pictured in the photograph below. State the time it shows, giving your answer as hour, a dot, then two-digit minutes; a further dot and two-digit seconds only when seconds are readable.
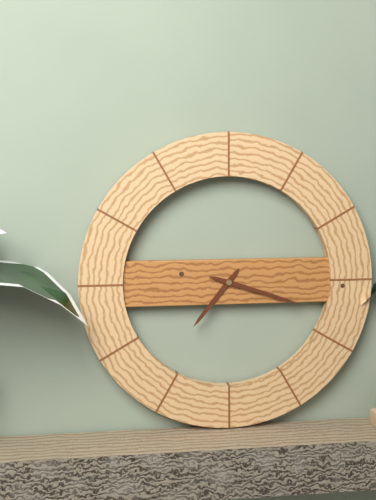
7.18
